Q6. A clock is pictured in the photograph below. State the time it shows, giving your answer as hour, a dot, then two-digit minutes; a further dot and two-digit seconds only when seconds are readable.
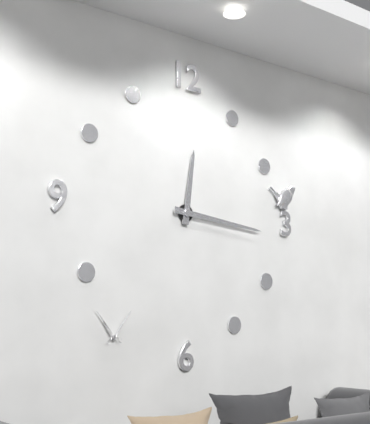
12.16
